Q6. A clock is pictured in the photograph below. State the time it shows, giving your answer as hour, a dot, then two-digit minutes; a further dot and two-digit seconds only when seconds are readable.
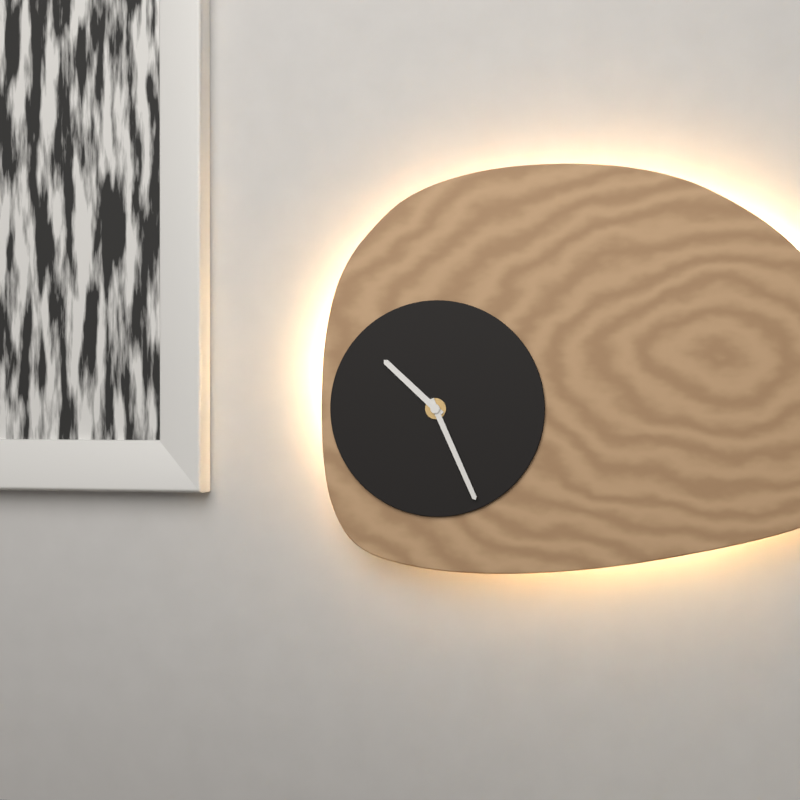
10.26
